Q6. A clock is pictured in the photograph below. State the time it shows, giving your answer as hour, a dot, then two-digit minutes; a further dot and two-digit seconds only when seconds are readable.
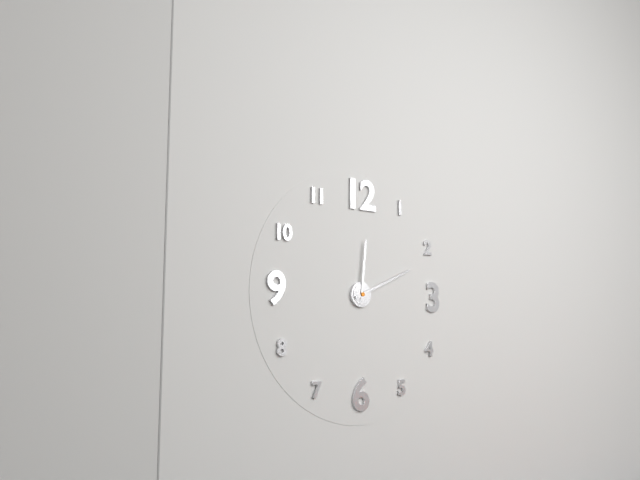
12.11
